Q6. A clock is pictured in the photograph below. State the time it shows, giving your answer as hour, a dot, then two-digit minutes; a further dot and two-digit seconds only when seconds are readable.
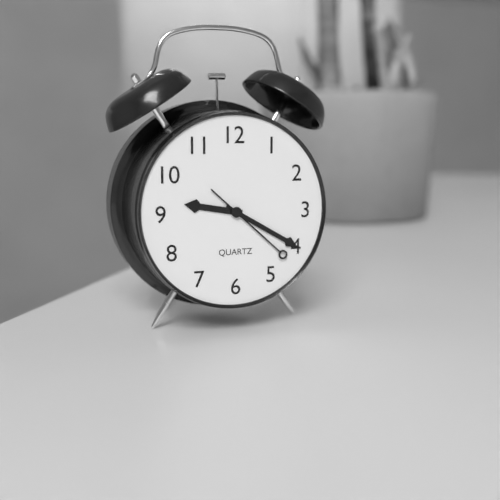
9.20.22
